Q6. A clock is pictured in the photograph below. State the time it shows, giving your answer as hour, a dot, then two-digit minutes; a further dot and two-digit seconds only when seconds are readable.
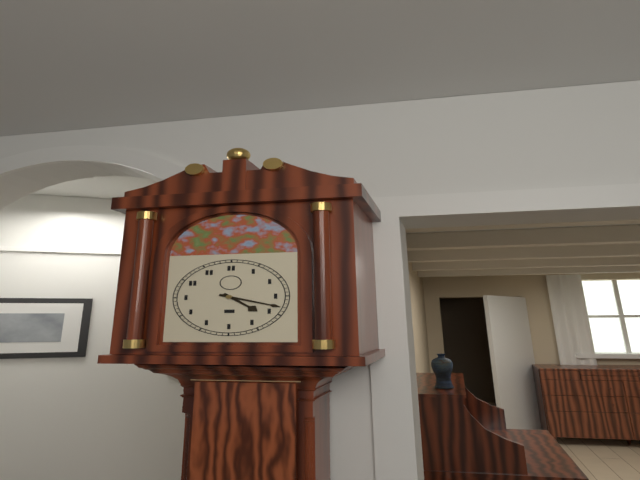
4.18
